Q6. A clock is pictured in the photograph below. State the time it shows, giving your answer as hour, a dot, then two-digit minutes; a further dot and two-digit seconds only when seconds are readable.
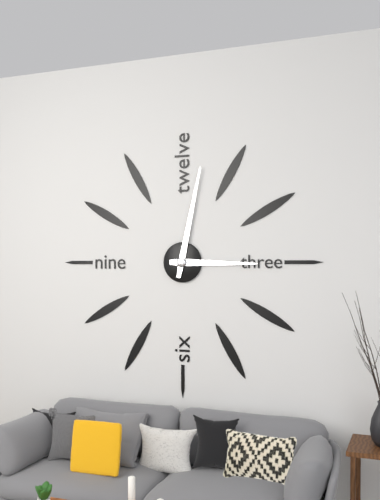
3.02
